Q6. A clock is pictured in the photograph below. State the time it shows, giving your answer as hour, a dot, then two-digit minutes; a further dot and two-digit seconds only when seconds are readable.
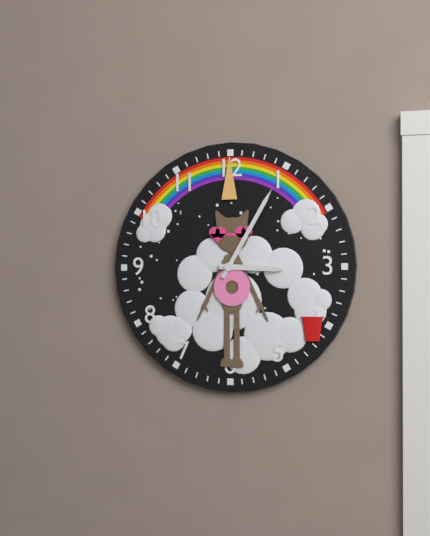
3.05
